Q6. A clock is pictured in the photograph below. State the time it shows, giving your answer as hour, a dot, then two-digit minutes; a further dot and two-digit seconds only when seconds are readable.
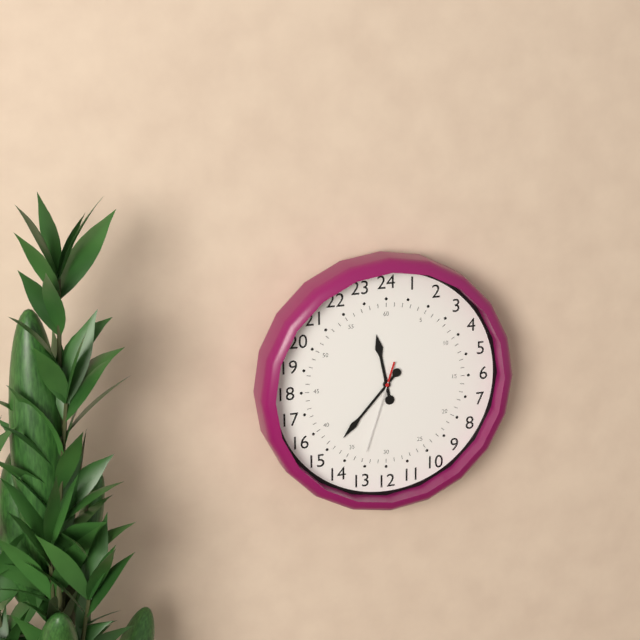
11.37.33
